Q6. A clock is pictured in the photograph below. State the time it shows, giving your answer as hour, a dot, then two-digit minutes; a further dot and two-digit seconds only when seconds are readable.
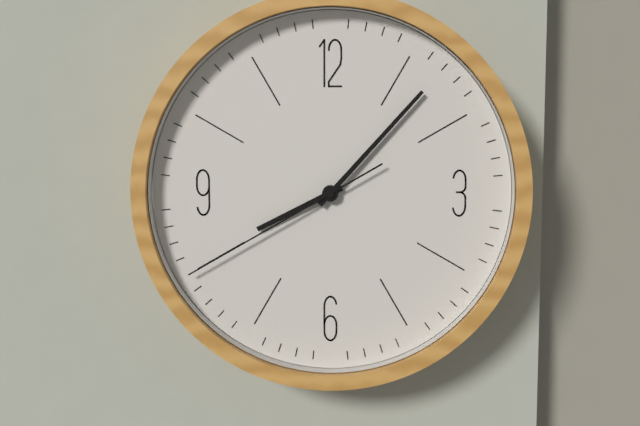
8.07.40
